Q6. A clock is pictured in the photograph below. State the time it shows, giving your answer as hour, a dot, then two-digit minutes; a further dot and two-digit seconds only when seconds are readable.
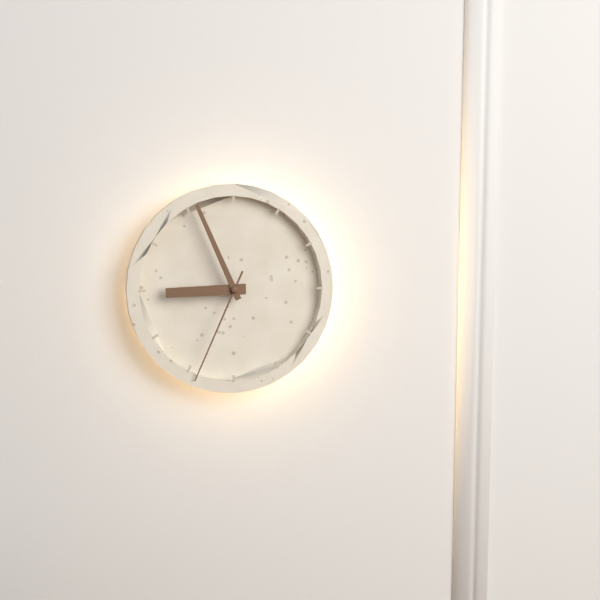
8.56.34
